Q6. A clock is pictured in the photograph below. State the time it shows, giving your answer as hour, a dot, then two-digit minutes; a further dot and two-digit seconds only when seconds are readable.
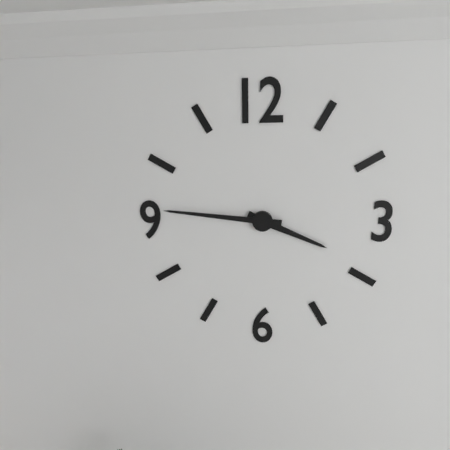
3.46
